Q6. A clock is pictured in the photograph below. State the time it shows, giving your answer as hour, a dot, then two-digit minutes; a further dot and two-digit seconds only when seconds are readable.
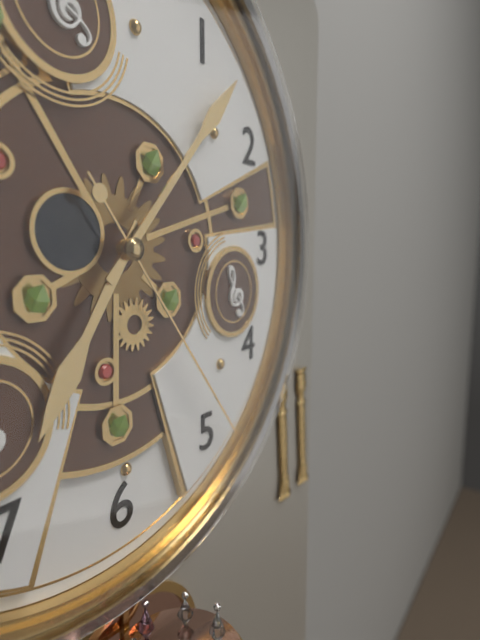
7.07.24
